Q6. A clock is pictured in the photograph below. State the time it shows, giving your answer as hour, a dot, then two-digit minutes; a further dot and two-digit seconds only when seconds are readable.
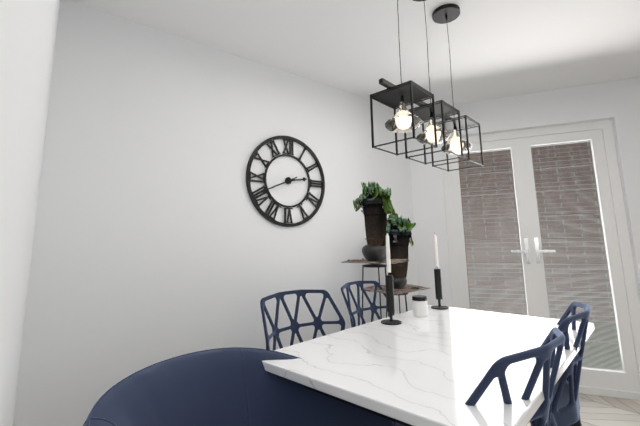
2.41
